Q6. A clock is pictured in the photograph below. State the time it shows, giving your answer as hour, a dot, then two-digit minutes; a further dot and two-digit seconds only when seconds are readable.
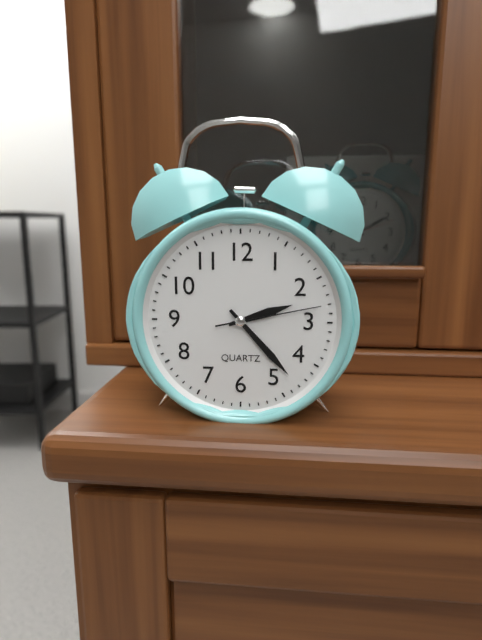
2.23.13
